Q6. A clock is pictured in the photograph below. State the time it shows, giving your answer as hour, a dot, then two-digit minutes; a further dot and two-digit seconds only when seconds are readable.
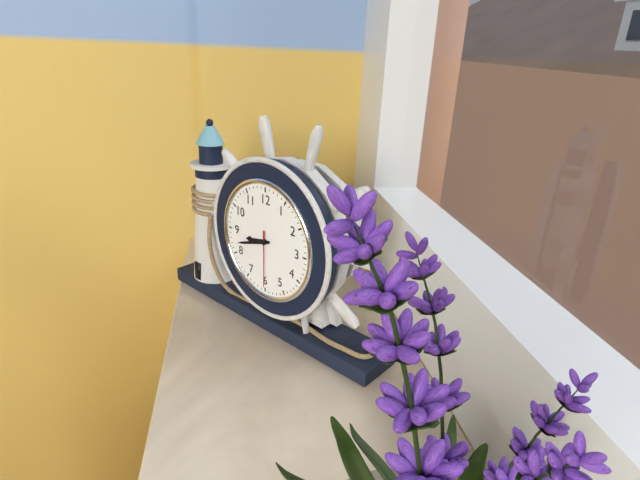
8.42.30
